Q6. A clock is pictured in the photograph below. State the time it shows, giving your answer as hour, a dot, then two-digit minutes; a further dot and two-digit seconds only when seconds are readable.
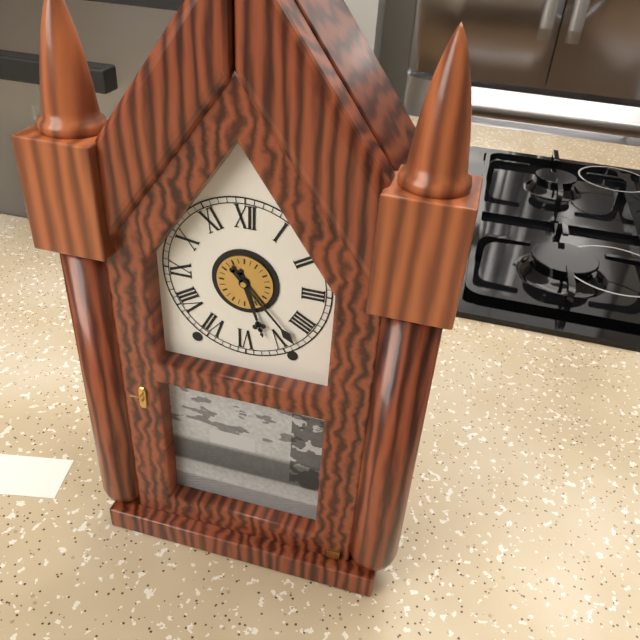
5.23
